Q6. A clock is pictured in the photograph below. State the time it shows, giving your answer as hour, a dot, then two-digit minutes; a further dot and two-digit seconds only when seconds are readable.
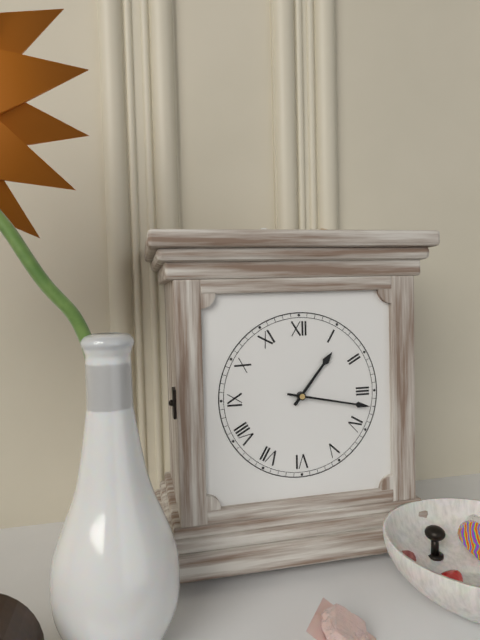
1.17
